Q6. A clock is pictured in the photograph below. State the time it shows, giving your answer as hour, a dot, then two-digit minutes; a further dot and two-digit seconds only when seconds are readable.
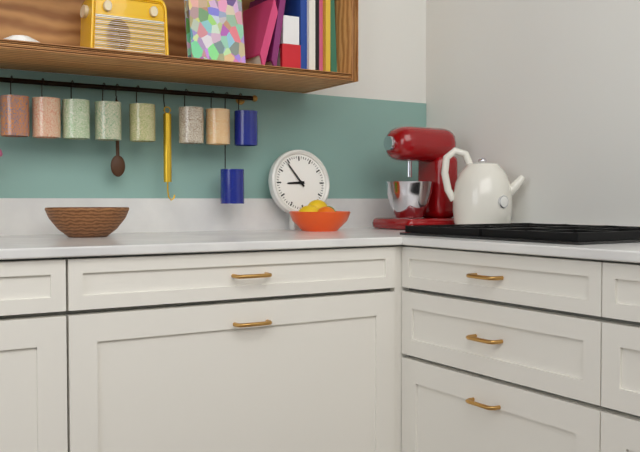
8.54
